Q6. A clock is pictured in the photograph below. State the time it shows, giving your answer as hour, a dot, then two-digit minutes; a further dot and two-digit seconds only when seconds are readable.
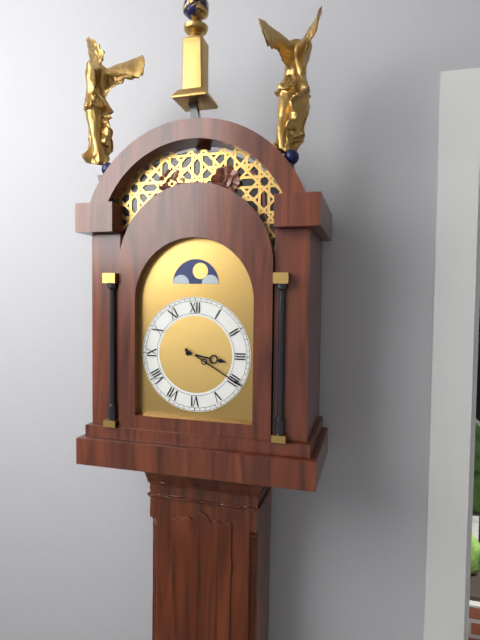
3.20
